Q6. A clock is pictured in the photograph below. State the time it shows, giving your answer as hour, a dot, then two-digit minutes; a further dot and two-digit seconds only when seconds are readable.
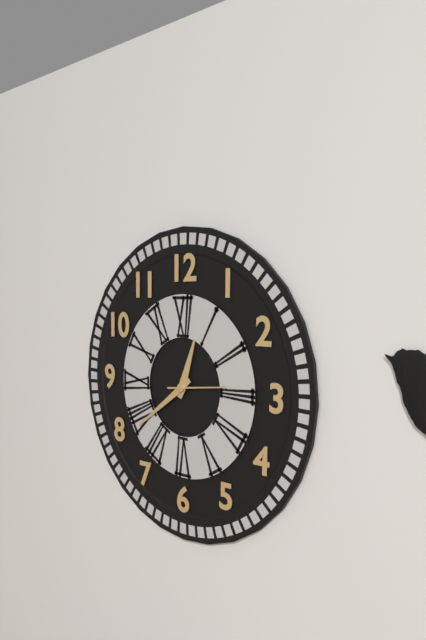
12.39.14
